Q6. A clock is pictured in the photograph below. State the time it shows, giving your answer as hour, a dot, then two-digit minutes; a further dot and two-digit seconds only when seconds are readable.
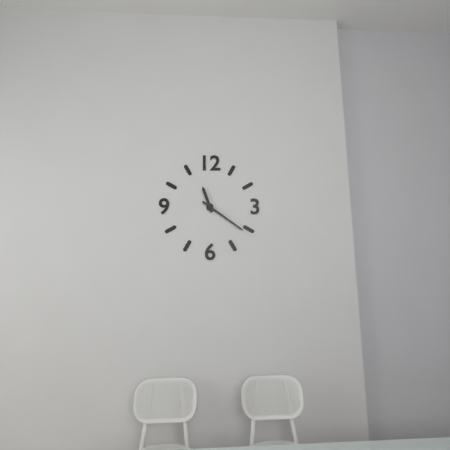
11.21
